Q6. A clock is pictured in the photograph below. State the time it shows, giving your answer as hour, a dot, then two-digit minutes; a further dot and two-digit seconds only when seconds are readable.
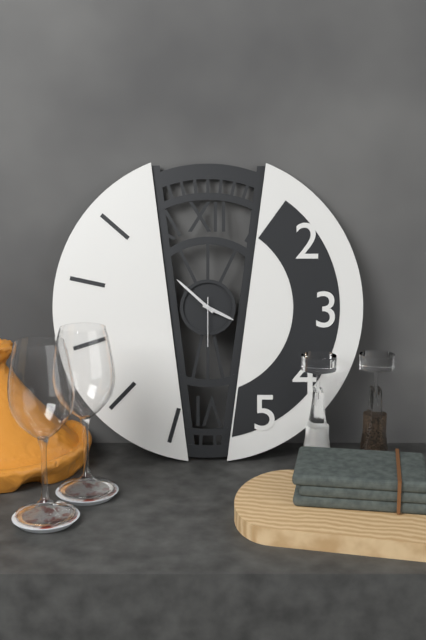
3.52
